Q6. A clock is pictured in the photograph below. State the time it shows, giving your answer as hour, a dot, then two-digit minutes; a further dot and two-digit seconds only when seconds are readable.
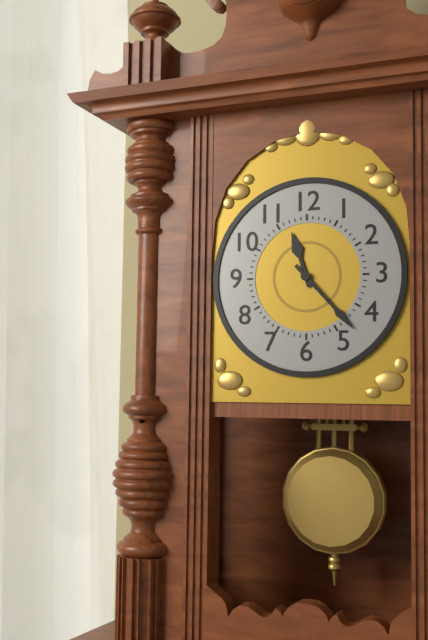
11.23
